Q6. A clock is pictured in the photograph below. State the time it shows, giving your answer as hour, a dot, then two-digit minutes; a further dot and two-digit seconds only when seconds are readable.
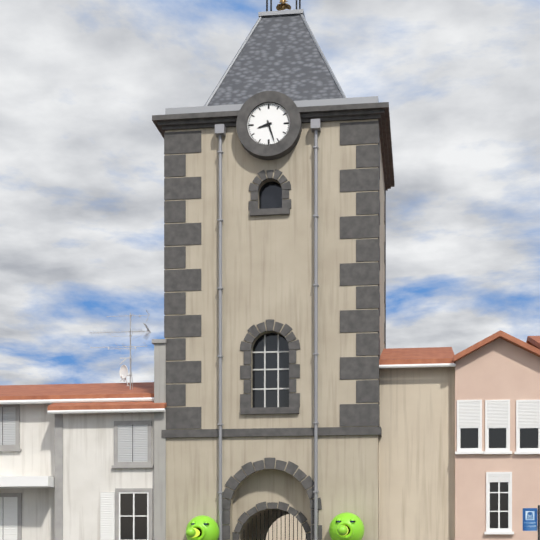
8.27
